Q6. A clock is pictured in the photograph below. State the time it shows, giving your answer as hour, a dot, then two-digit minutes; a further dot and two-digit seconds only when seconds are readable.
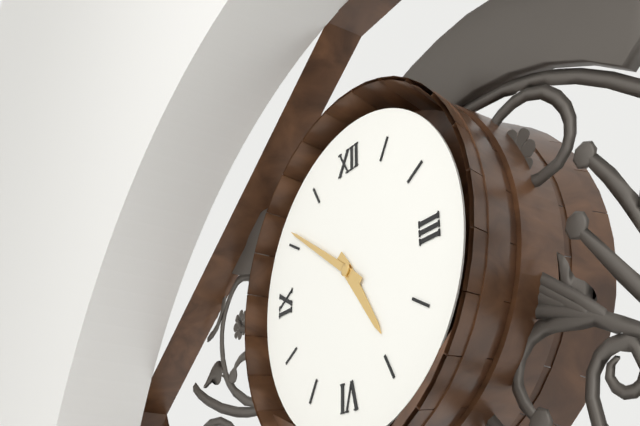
4.51
